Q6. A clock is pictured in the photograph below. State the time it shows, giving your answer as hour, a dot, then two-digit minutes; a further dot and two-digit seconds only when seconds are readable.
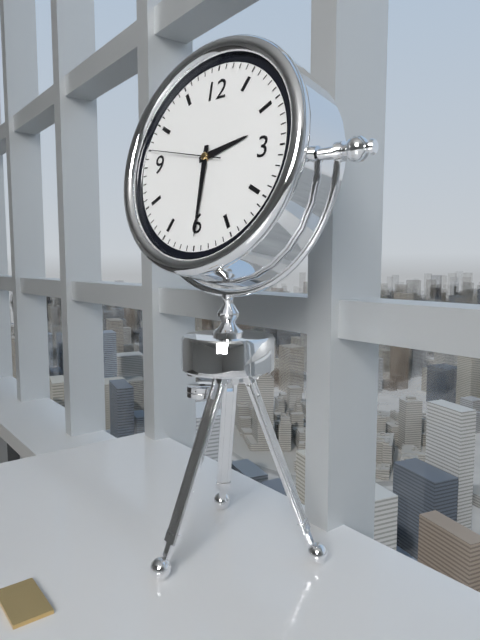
2.30.47
